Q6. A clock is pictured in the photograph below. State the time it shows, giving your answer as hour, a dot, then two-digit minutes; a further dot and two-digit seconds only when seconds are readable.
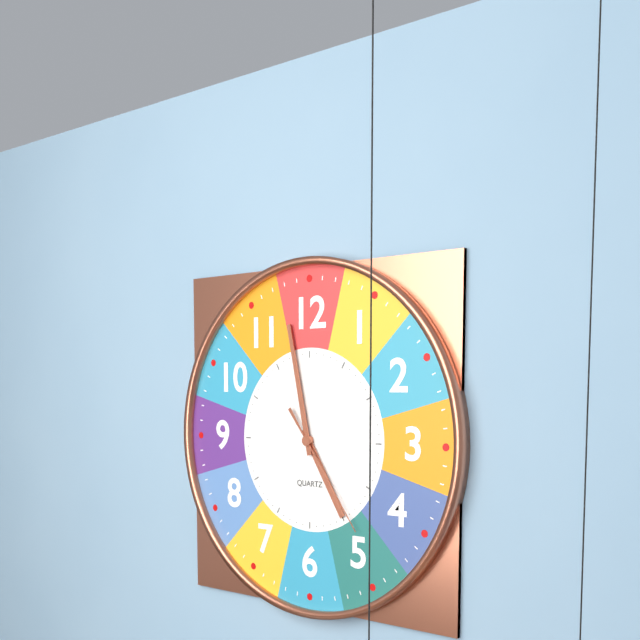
4.58.24
